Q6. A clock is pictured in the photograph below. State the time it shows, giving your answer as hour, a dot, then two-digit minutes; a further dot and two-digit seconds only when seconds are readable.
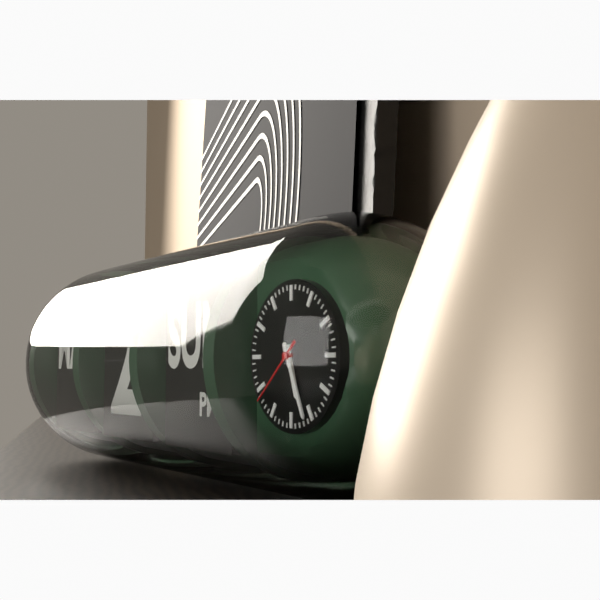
5.26.38
